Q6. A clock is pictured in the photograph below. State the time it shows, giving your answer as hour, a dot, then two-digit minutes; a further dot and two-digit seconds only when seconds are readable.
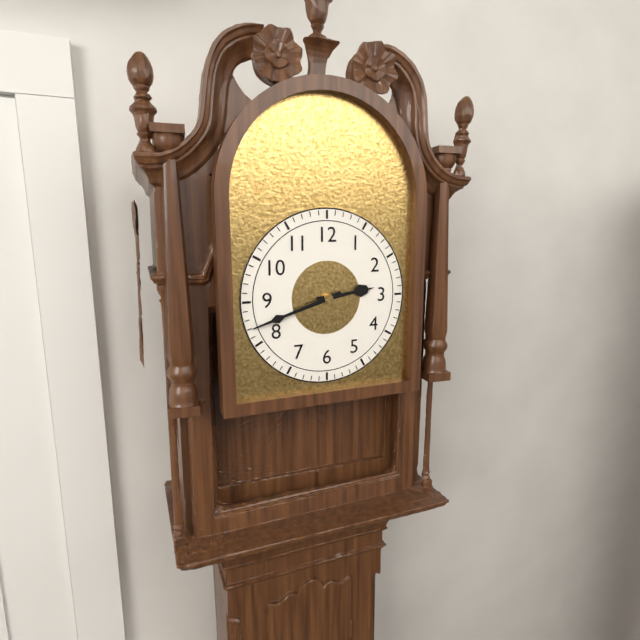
2.42
